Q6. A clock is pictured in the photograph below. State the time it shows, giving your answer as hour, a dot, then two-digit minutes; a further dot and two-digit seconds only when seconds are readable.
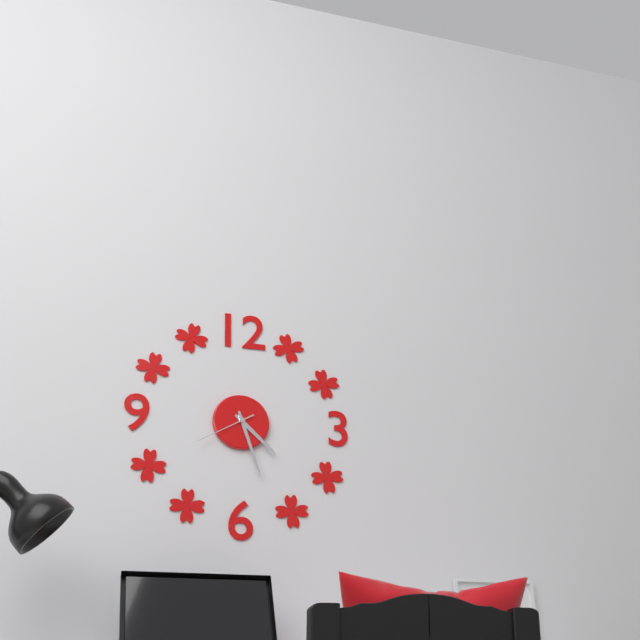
4.27.40
